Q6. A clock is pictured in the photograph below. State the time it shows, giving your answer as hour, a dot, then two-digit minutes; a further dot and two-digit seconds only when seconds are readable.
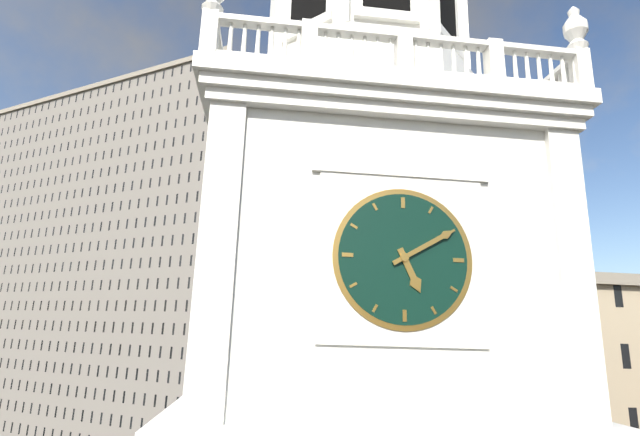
5.10
